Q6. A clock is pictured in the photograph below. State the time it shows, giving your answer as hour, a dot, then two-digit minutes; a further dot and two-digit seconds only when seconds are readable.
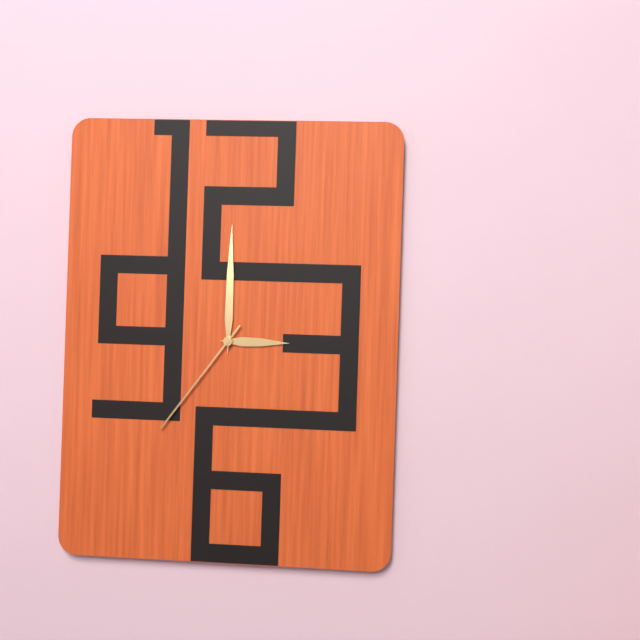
3.00.36
